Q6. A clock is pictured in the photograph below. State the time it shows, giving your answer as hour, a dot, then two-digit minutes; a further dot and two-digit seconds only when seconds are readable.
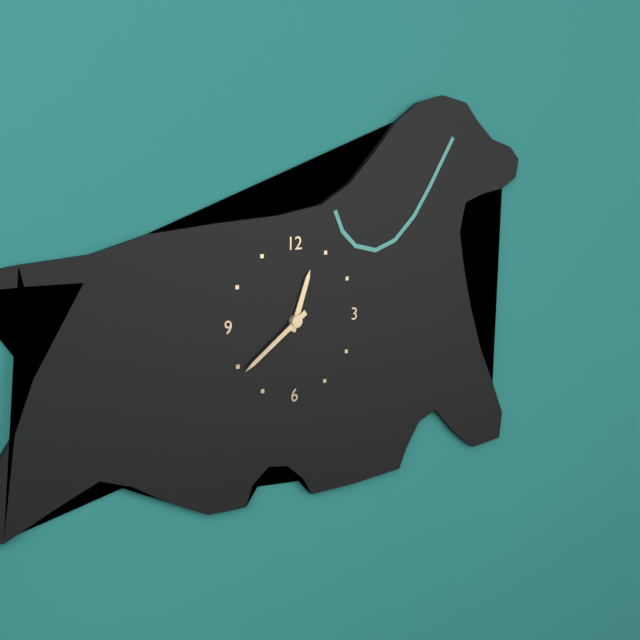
12.39
